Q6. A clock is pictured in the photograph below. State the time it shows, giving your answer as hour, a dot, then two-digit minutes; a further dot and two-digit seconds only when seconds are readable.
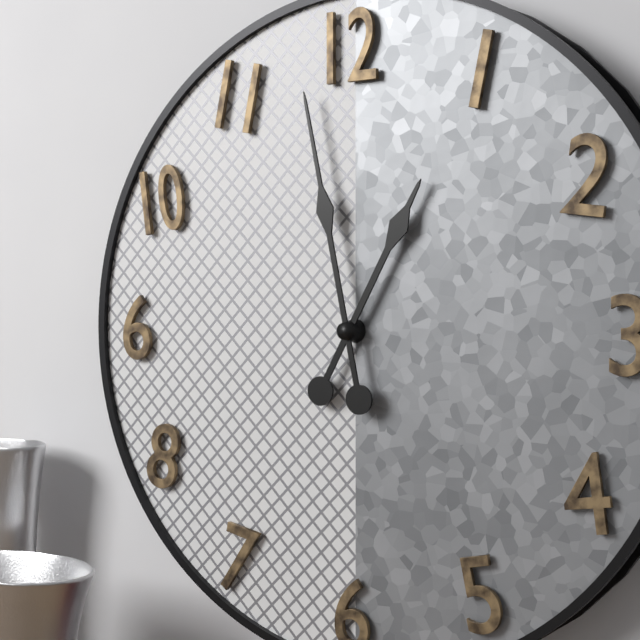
12.58
